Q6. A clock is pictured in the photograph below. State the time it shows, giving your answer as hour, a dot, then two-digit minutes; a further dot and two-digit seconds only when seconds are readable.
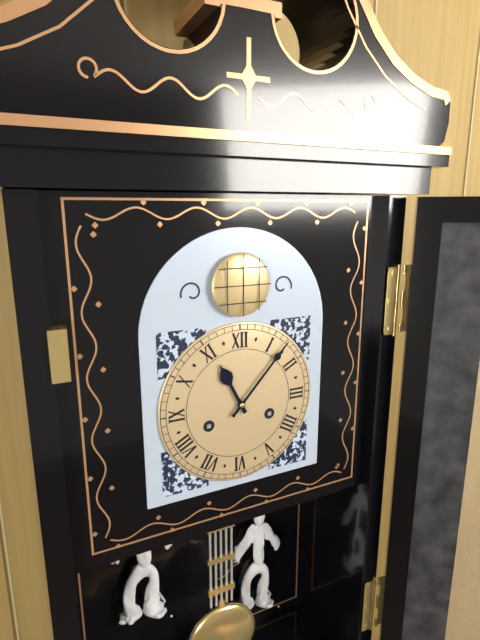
11.07
